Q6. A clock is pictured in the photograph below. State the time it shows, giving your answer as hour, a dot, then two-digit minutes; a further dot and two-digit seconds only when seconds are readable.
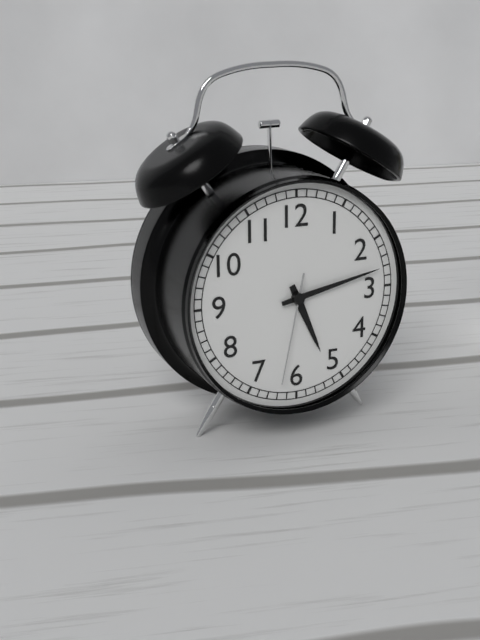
5.13.32
